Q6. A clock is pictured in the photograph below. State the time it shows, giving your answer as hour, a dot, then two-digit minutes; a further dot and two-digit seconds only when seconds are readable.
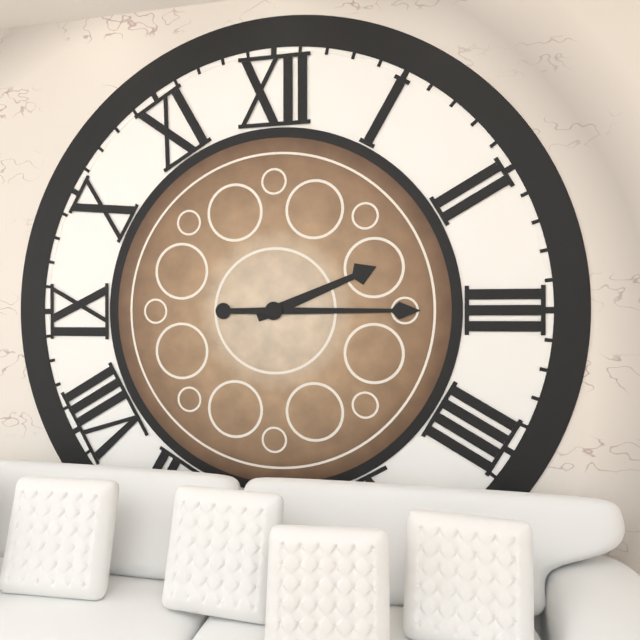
2.15
